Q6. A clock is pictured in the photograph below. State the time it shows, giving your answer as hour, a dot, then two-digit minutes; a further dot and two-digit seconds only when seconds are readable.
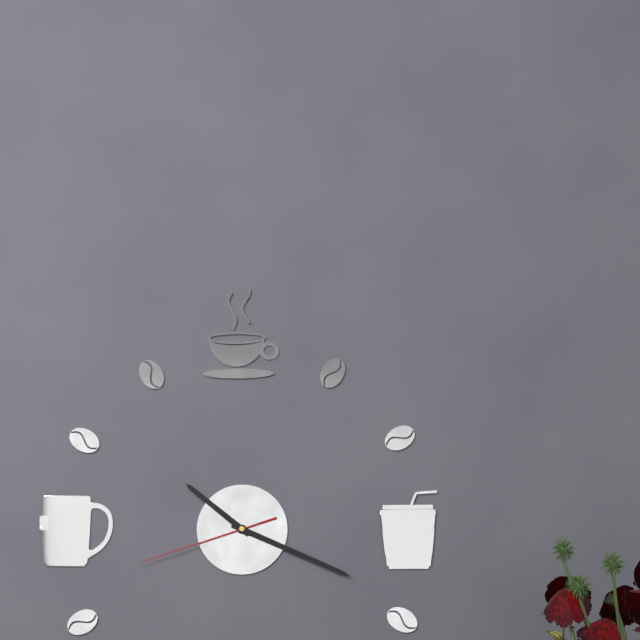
10.19.42
